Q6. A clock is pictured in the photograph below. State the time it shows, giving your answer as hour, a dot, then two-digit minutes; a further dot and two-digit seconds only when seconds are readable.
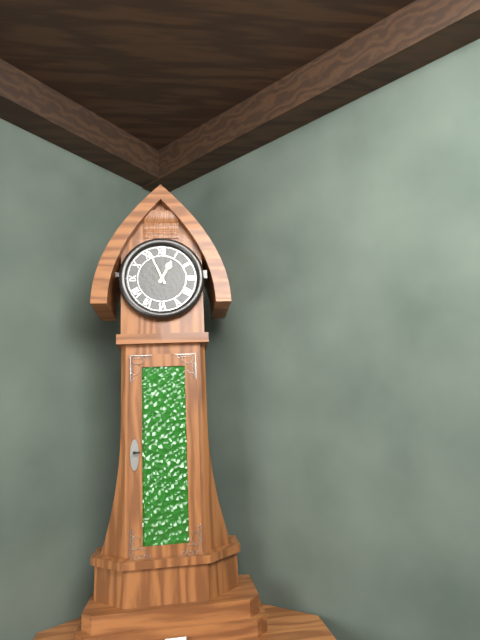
12.56
